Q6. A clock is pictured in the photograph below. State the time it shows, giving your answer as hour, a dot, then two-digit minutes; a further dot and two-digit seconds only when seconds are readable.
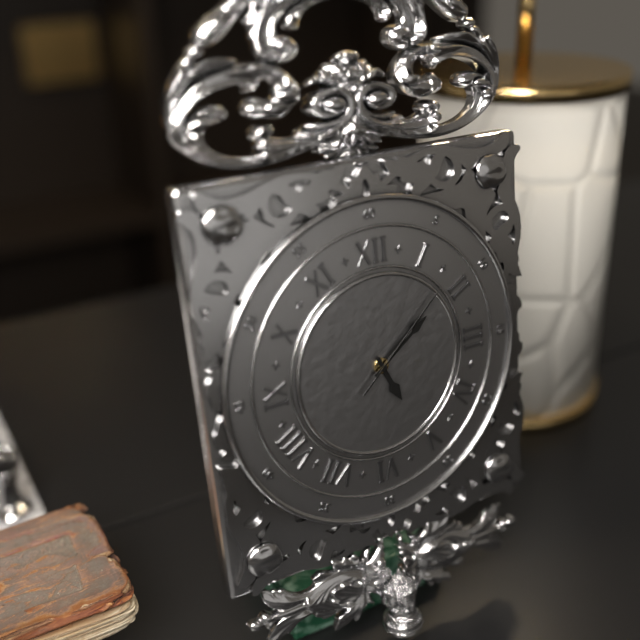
5.09.08
